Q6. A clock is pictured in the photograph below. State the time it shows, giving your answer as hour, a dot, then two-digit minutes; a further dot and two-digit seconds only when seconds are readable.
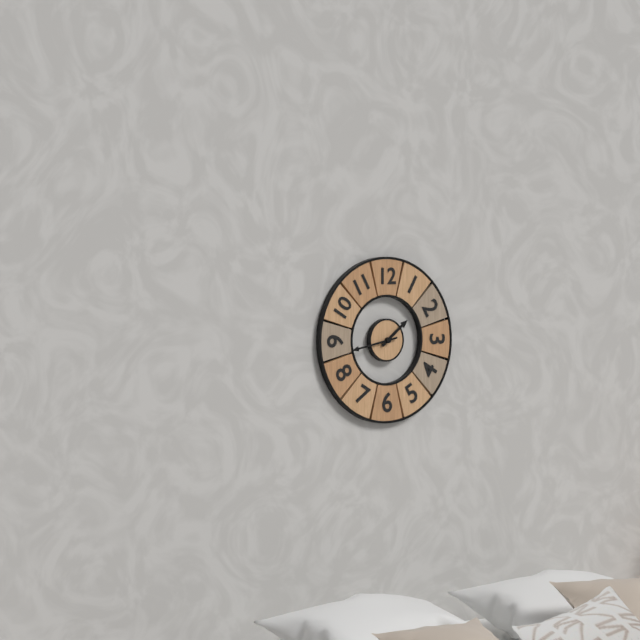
1.43
